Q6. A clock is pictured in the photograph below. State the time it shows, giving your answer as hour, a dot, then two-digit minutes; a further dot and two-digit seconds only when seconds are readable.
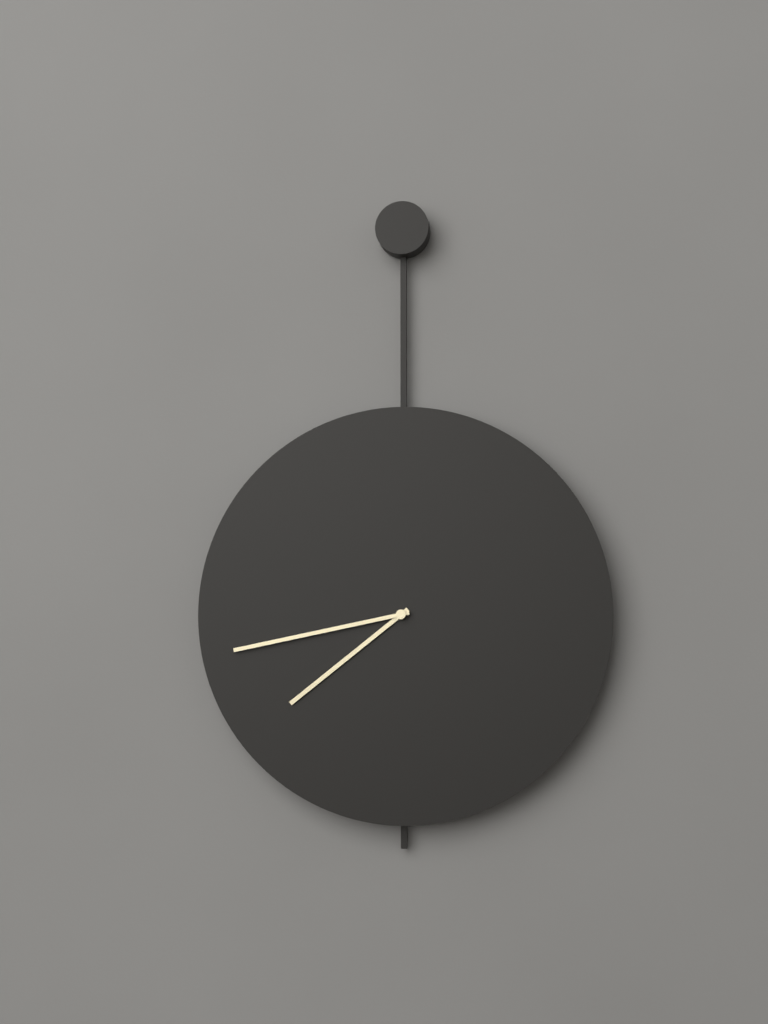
7.43
